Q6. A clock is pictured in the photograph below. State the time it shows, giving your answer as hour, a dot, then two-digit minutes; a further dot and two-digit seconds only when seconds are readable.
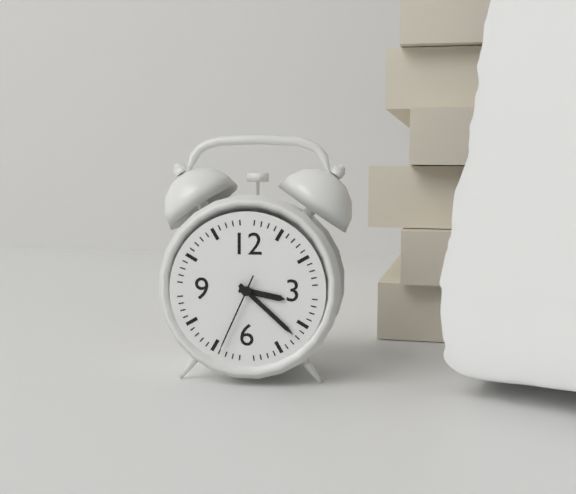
3.22.34
